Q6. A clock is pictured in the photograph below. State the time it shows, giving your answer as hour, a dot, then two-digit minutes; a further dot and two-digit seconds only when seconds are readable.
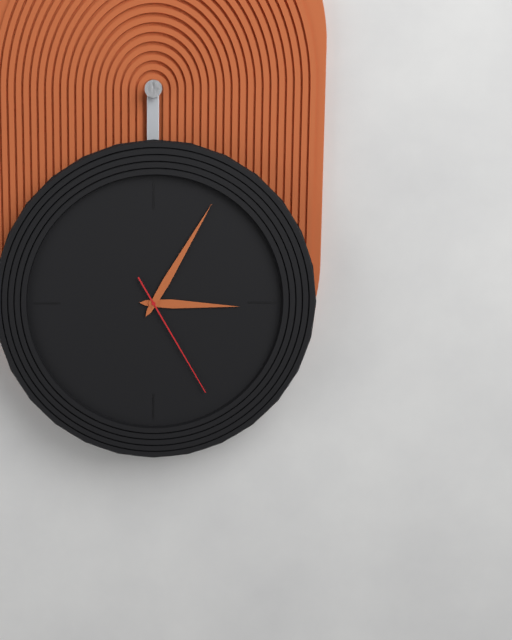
3.05.25
